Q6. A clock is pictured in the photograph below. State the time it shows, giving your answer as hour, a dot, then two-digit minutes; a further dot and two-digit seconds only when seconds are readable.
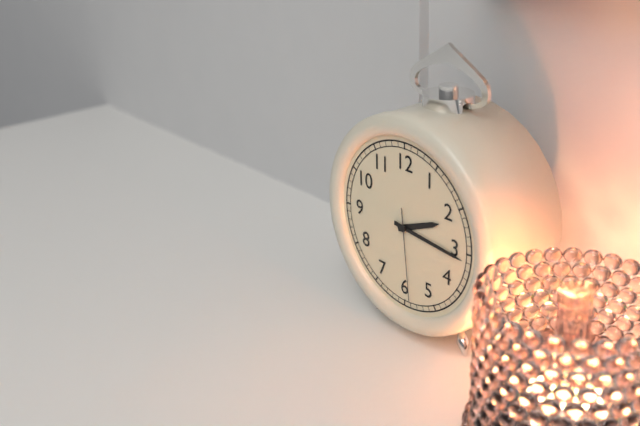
2.16.29
